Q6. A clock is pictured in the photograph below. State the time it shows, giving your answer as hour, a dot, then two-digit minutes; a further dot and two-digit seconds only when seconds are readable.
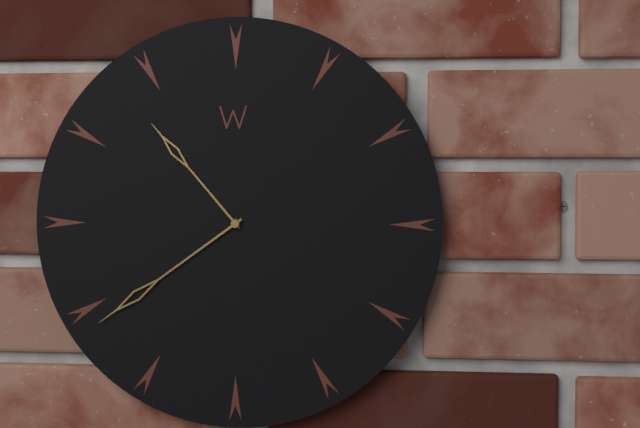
10.39
